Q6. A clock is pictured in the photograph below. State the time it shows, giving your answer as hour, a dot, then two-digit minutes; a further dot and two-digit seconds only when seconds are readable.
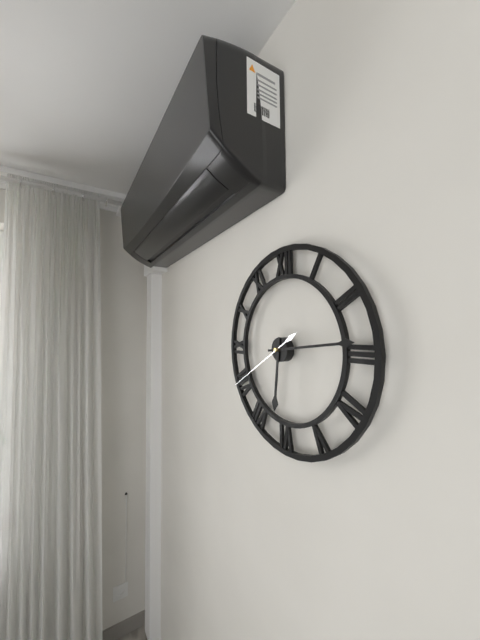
6.14.40
